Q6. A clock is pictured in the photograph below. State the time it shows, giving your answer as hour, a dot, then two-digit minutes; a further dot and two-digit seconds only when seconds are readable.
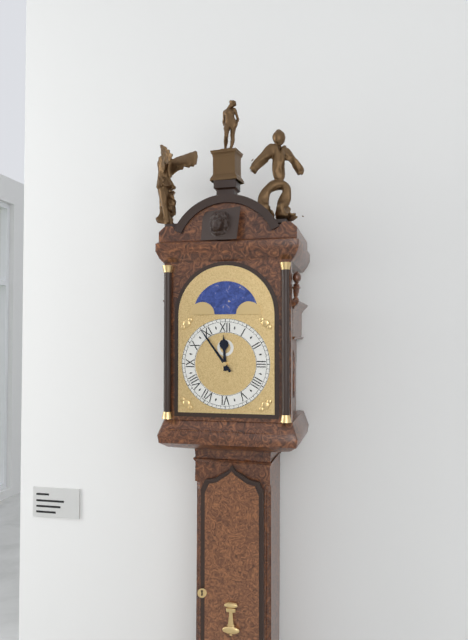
11.54
